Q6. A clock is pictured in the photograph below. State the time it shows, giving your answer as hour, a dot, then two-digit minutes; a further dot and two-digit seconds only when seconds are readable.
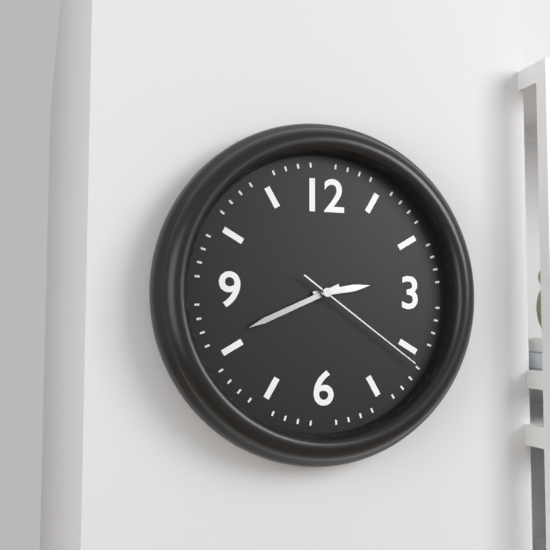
2.41.21
